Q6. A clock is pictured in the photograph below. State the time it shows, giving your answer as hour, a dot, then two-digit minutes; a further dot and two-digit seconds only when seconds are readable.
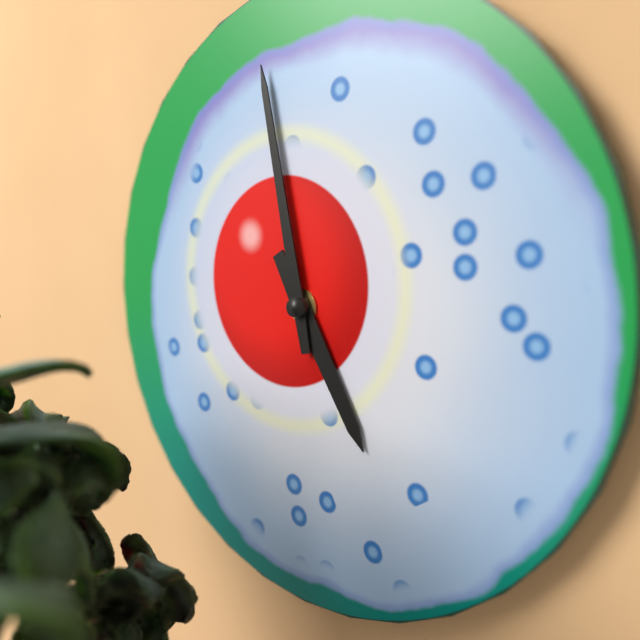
4.58
